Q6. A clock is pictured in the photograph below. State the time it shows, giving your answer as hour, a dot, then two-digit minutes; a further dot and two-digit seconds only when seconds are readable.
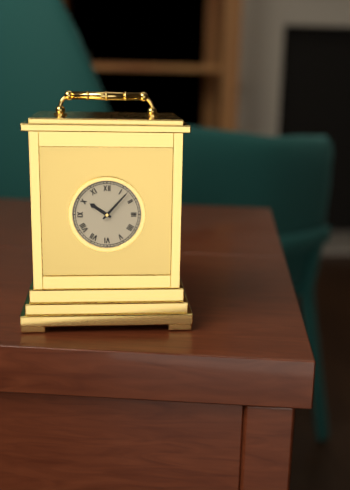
10.07
